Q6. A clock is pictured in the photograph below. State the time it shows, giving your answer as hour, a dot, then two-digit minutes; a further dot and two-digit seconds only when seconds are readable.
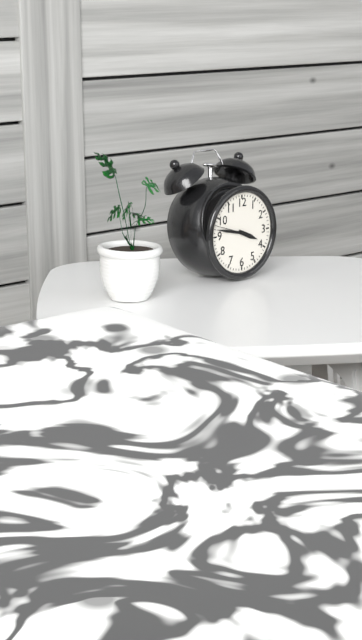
3.47
